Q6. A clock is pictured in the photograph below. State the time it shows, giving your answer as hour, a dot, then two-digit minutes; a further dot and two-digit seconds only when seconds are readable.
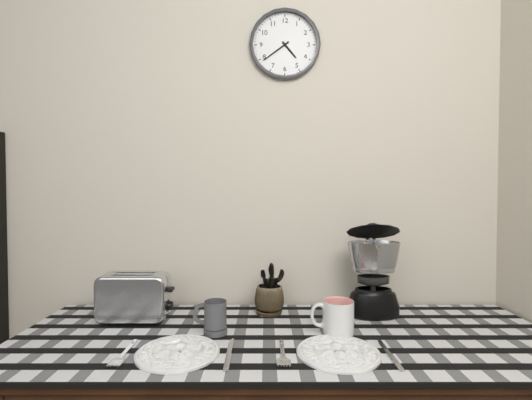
4.39
